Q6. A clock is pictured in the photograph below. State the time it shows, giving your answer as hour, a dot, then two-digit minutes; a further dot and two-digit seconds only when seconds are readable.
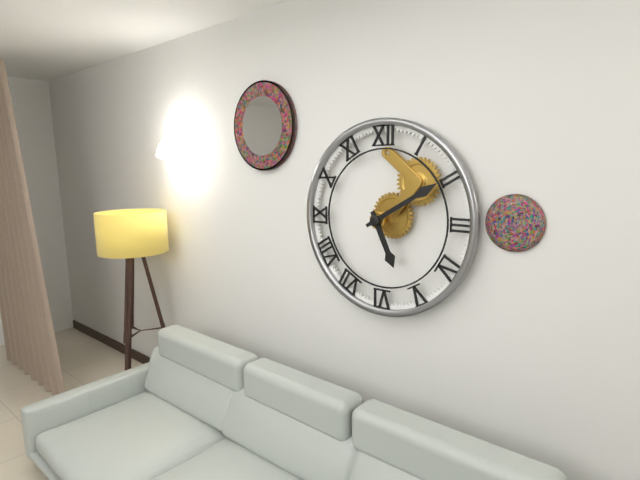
5.10
